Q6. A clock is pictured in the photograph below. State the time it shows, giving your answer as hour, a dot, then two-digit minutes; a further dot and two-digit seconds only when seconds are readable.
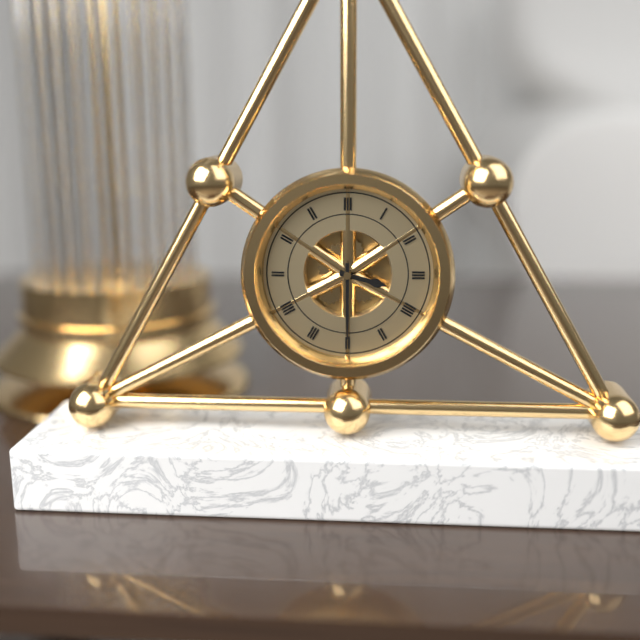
3.30
